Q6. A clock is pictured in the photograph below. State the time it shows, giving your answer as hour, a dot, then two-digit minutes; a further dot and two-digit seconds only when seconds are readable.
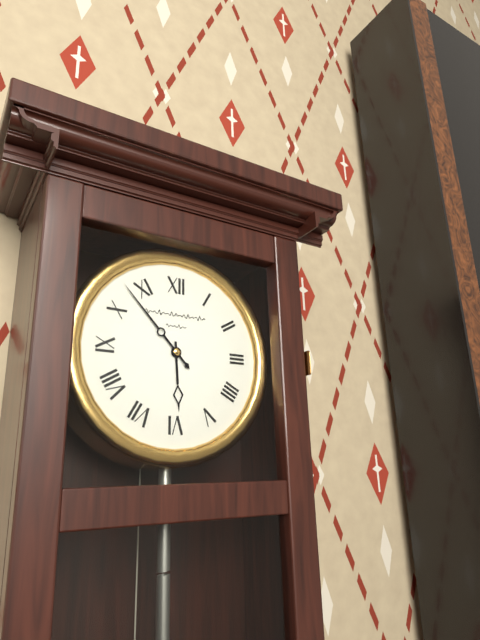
5.53
